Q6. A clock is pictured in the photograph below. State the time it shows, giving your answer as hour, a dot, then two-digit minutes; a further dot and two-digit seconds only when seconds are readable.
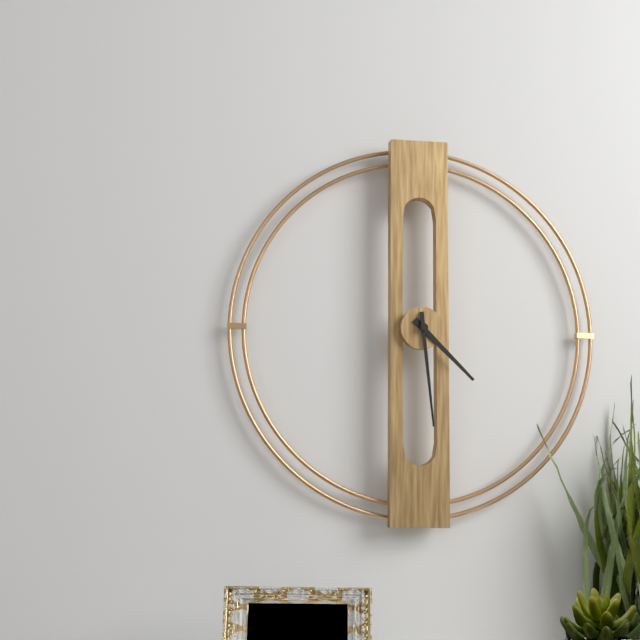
4.29
